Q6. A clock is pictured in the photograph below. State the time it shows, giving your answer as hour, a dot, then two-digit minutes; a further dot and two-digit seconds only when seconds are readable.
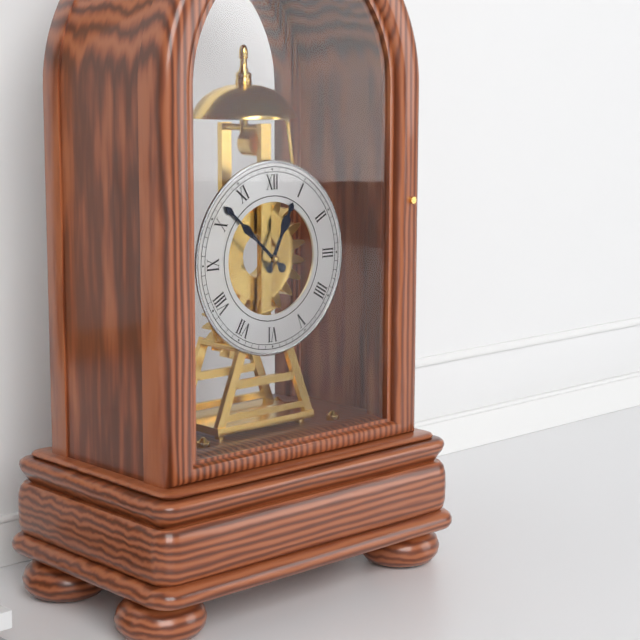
12.52
